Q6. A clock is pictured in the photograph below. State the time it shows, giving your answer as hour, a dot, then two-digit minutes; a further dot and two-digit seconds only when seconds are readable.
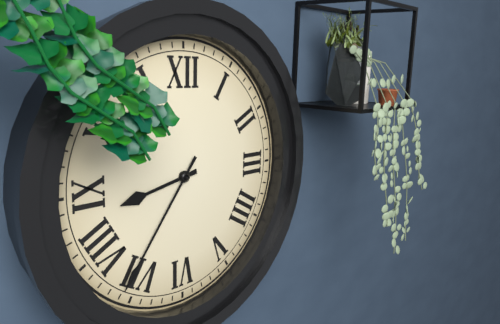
8.36
